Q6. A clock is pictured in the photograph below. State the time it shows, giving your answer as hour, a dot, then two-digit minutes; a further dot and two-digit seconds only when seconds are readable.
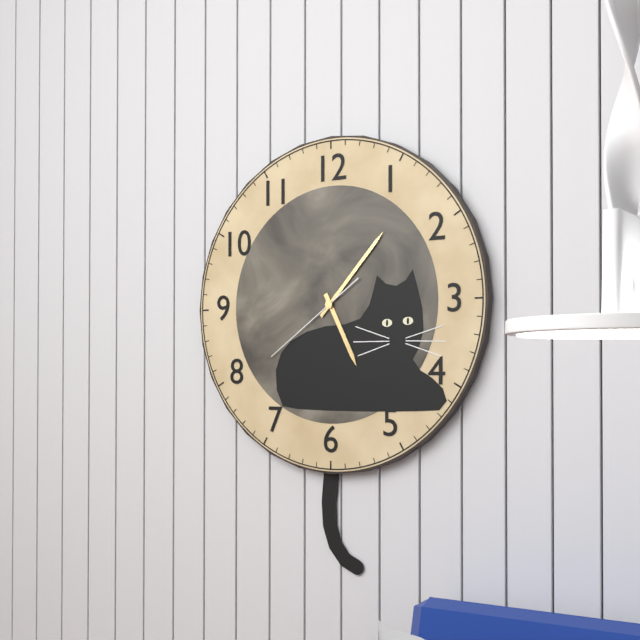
5.07.39
